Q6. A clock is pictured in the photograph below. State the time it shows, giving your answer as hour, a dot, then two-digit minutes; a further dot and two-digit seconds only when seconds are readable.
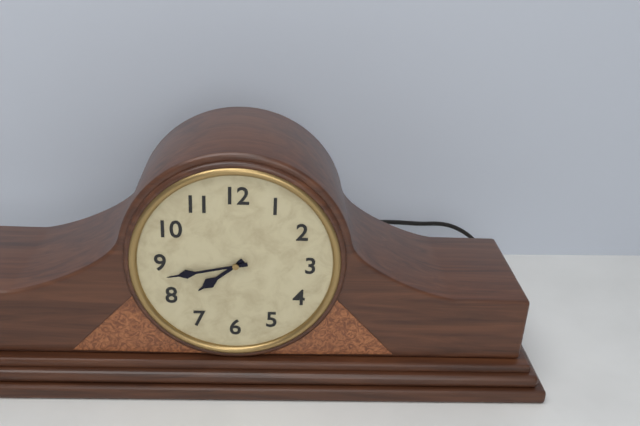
7.43
